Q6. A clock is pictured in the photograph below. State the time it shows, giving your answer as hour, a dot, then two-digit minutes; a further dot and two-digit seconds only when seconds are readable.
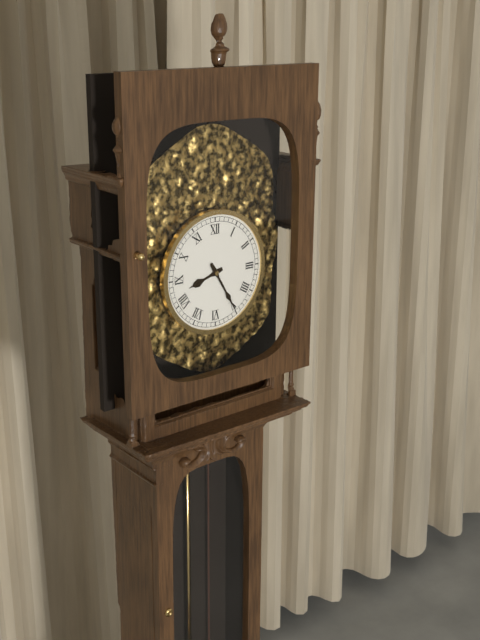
8.25
